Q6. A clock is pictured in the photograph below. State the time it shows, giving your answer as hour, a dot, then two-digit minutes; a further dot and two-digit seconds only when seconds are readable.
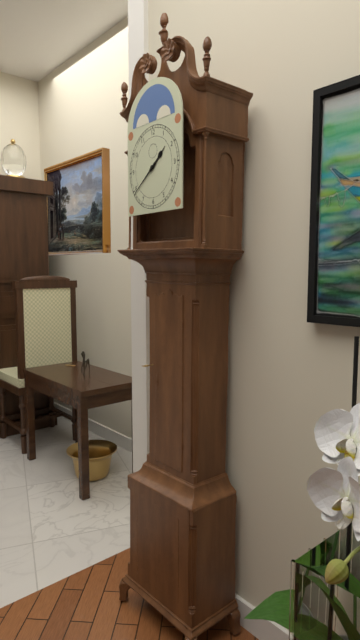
1.39
